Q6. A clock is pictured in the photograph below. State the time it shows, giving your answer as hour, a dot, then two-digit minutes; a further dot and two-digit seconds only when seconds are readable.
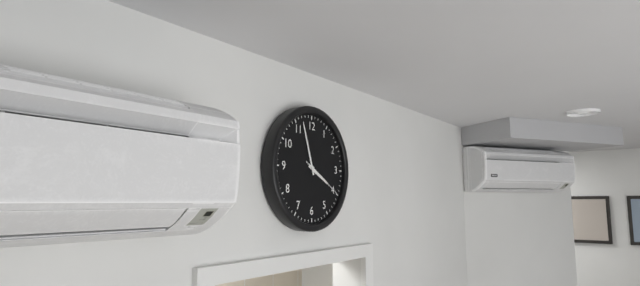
3.57.20
